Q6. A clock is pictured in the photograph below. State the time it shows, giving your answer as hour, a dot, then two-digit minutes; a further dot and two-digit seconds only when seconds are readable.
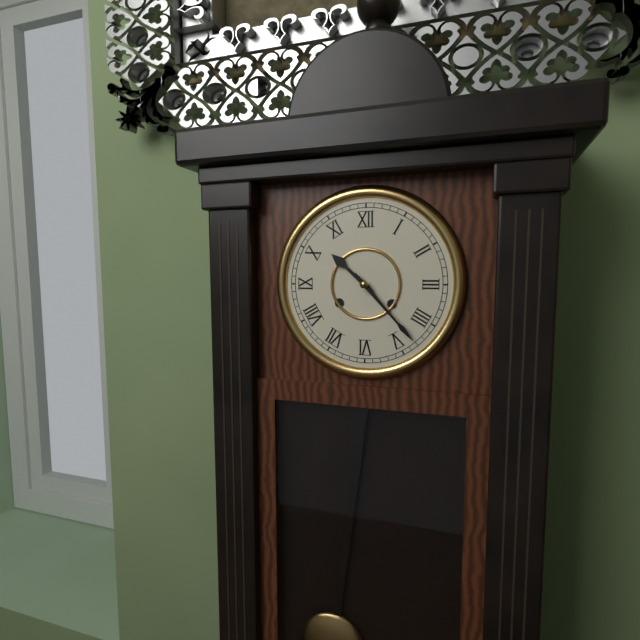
10.23
